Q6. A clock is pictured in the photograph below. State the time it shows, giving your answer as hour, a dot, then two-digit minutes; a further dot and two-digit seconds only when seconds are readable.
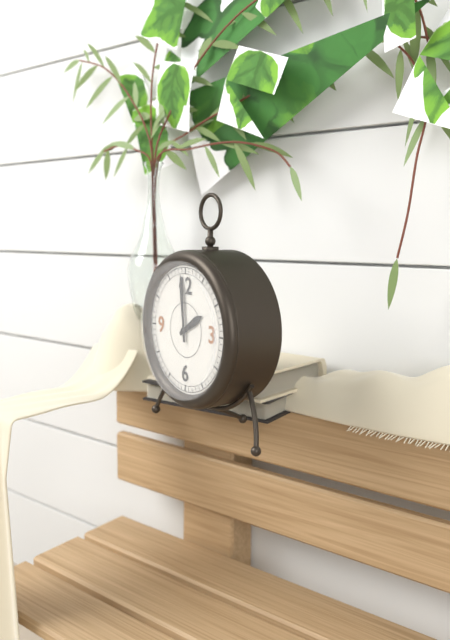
1.59
